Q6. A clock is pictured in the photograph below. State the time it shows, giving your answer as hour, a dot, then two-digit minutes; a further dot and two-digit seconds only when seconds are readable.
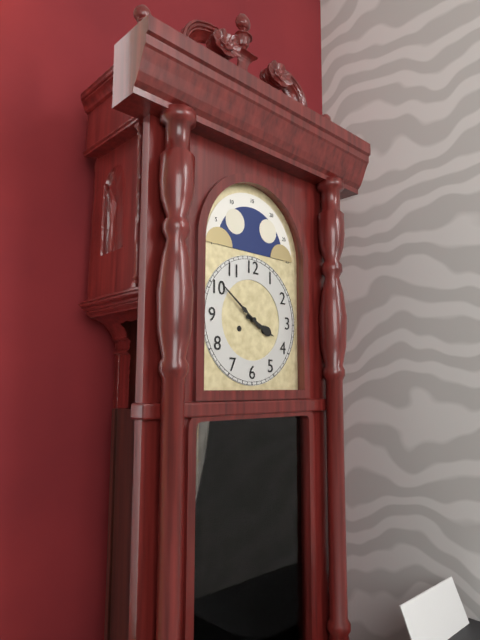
3.51
